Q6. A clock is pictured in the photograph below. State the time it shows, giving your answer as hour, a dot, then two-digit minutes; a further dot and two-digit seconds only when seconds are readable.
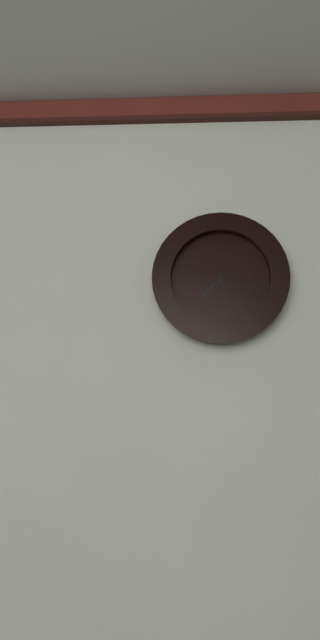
7.27
